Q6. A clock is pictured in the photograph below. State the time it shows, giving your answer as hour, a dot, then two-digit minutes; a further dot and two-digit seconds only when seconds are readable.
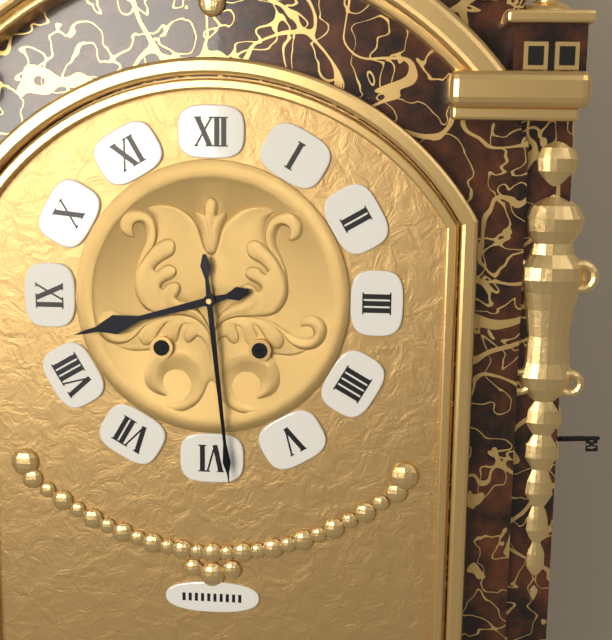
8.29
